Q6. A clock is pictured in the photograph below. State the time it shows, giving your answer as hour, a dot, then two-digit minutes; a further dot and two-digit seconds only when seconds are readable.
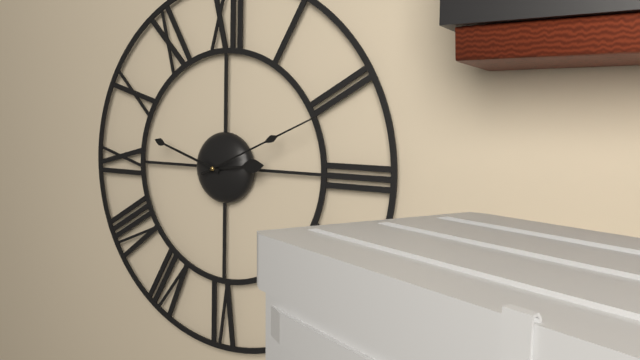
2.48.11
